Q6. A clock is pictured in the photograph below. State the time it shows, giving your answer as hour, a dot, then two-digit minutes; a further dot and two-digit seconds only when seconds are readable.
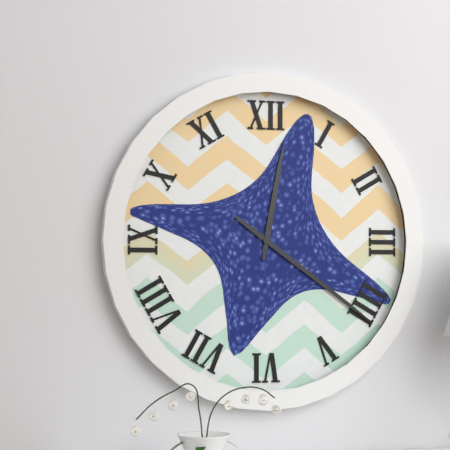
12.21
